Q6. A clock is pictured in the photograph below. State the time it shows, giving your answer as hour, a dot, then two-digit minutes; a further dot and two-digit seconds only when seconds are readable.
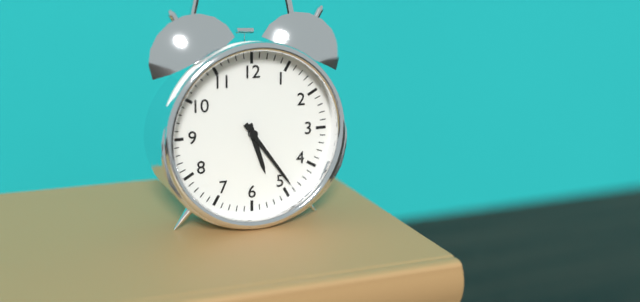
5.24
